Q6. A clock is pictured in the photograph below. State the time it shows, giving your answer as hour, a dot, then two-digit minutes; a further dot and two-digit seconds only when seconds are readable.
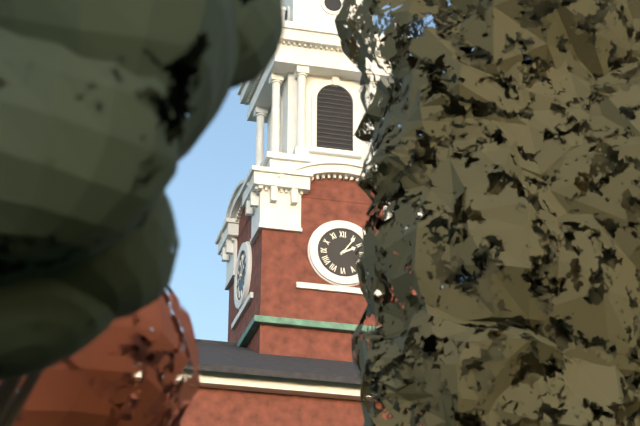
2.06
